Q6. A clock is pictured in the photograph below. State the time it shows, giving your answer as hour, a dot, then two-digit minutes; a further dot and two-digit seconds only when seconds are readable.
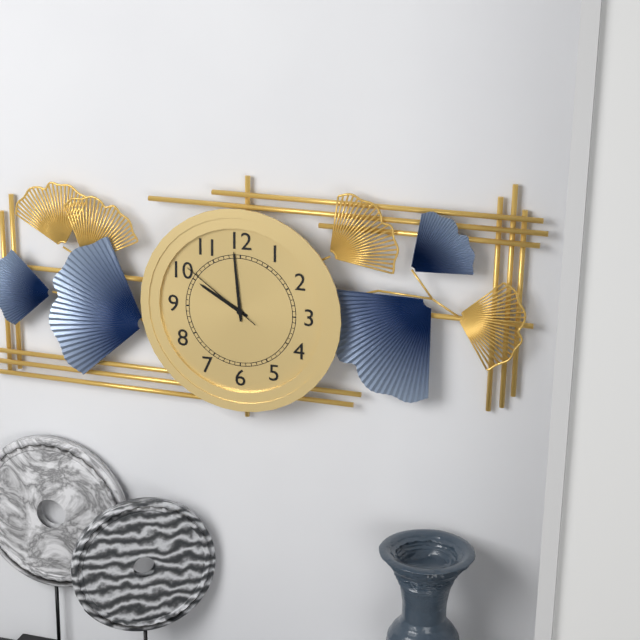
9.59.51
